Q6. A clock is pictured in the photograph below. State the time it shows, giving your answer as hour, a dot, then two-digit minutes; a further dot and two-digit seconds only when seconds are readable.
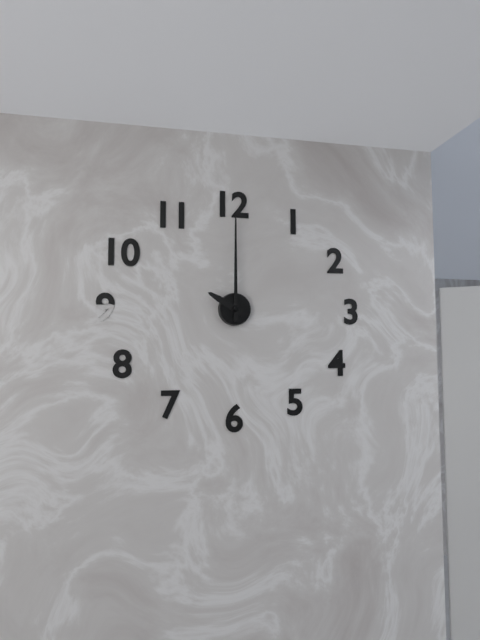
10.00
